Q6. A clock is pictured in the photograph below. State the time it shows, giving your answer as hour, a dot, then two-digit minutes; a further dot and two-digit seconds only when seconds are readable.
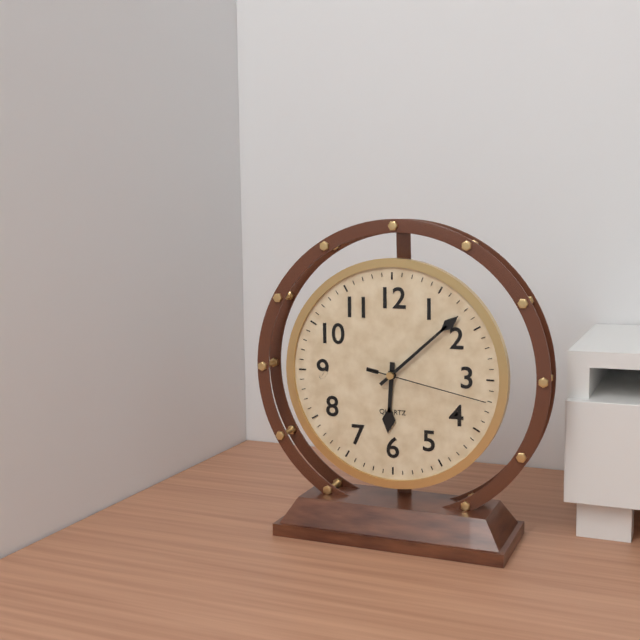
6.08.17
